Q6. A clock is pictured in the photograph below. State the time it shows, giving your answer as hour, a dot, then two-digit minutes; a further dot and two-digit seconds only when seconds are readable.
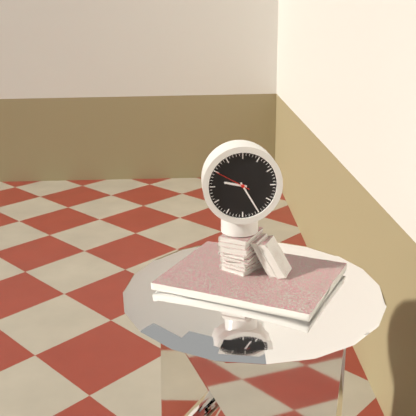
9.25
